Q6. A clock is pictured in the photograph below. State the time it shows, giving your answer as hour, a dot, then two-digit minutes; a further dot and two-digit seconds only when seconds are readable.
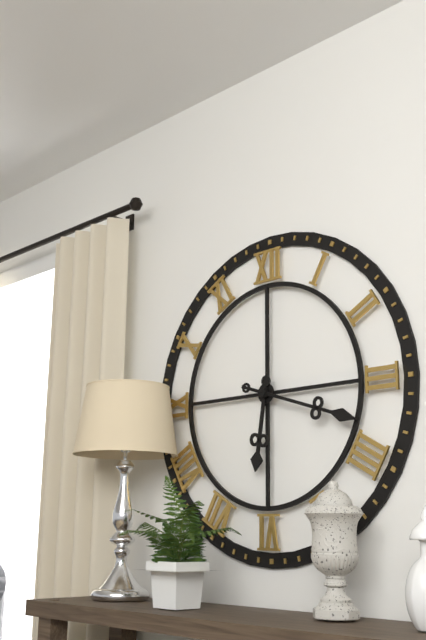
6.18
